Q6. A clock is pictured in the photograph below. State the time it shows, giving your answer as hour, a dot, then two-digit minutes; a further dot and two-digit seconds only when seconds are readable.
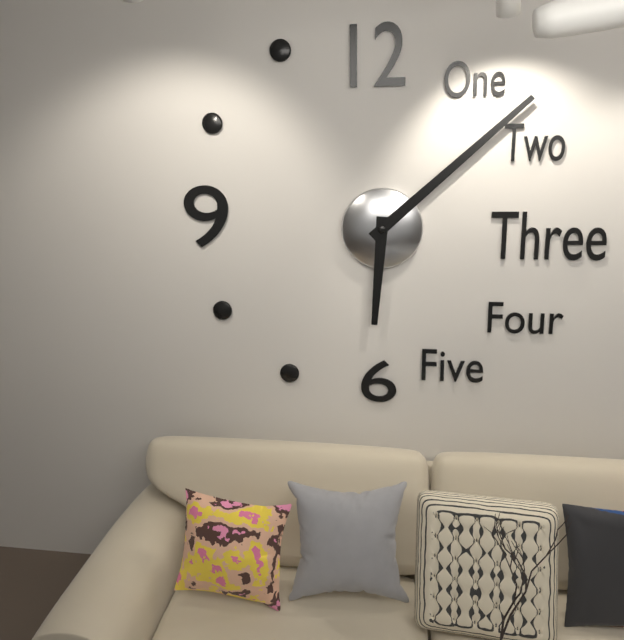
6.08
